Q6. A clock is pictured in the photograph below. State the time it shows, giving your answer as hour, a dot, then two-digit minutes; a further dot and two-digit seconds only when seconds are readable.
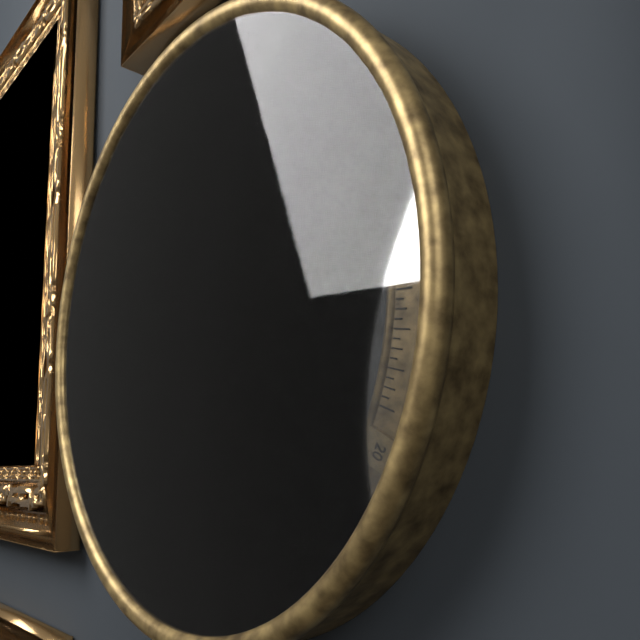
6.39
